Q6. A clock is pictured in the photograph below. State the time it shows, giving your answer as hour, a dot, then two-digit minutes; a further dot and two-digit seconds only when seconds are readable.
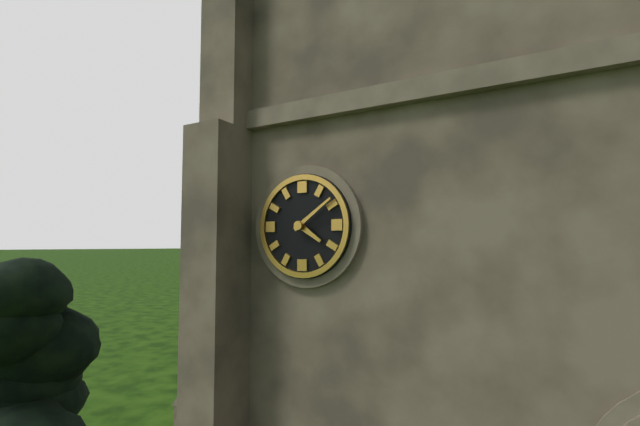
4.09
